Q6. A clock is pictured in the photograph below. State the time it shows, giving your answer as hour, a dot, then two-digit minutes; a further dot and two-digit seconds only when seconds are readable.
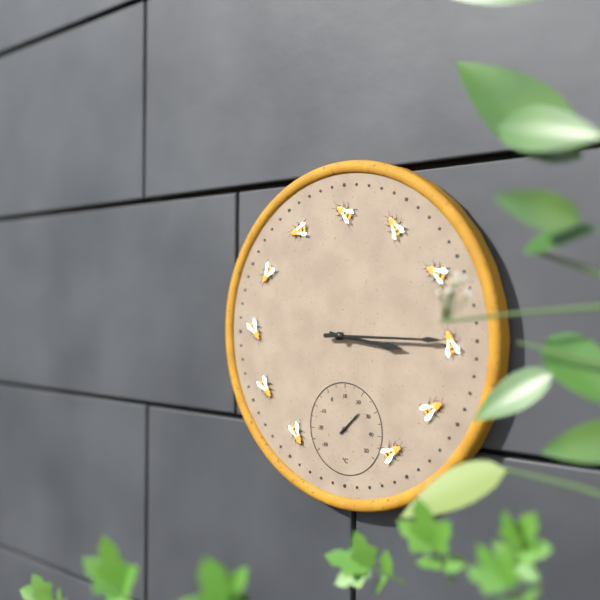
3.15
